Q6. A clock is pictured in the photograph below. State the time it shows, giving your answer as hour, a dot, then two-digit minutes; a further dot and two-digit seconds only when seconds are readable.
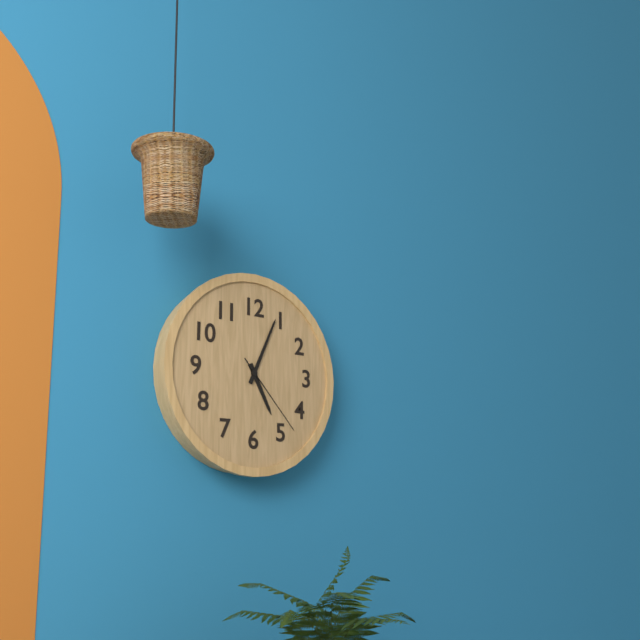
5.04.23
